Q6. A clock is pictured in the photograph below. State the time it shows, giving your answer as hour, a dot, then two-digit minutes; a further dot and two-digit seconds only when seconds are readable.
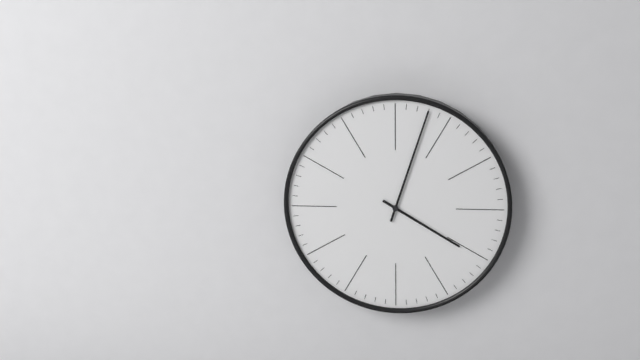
4.03
